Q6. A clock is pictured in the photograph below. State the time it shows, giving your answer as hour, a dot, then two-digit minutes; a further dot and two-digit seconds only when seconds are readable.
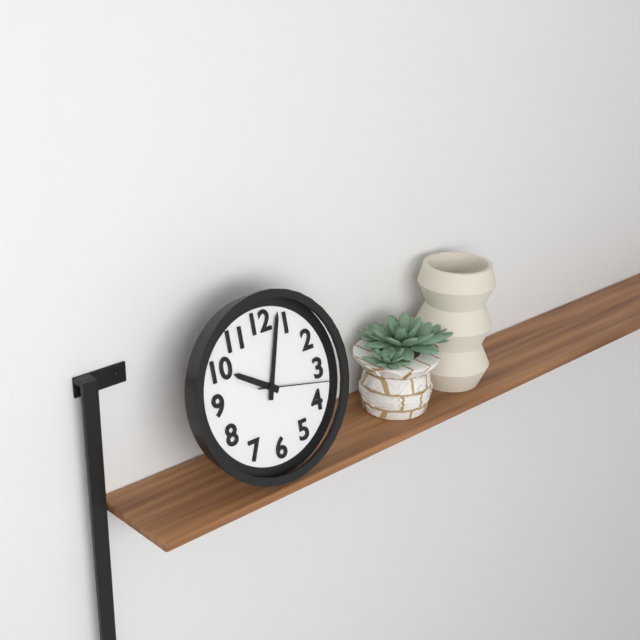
10.03.17
